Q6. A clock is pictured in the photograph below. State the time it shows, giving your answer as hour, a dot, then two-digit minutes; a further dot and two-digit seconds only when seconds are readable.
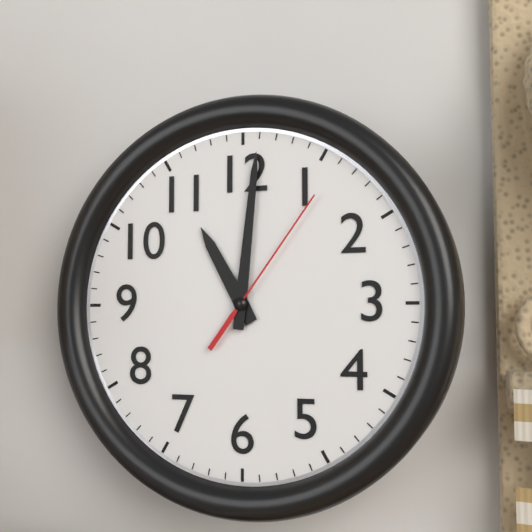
11.01.06
